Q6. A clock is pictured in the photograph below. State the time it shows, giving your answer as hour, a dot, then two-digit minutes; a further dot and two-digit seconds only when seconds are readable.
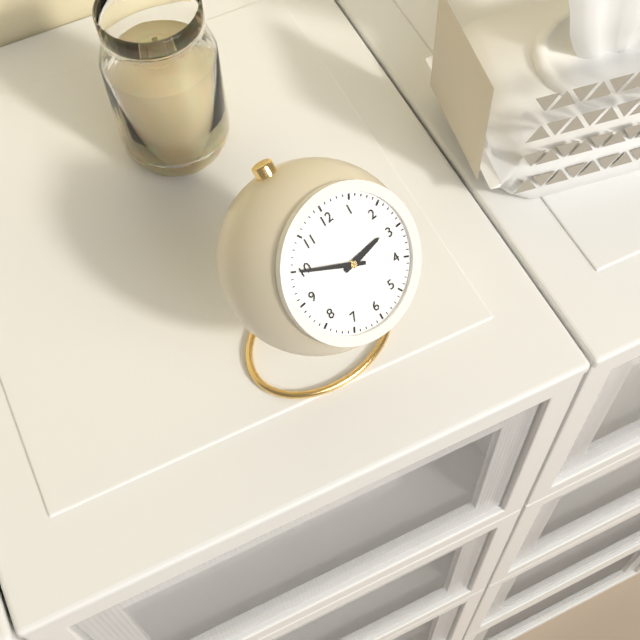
2.50
